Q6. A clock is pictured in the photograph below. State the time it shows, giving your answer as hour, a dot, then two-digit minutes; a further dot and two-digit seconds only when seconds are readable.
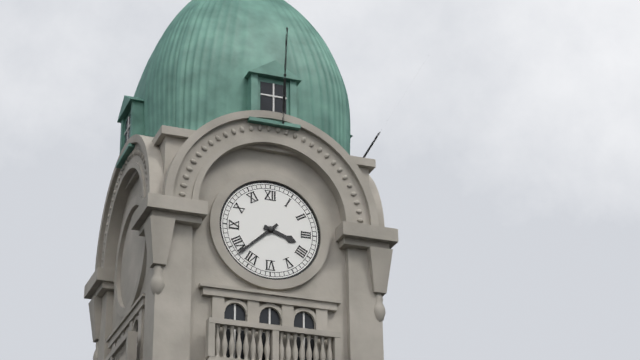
3.38
